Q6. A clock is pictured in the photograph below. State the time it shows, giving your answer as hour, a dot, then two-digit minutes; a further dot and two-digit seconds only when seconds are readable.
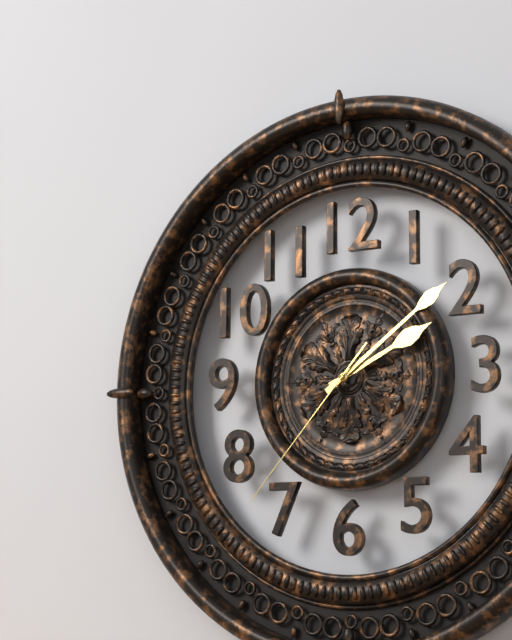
2.09.37
